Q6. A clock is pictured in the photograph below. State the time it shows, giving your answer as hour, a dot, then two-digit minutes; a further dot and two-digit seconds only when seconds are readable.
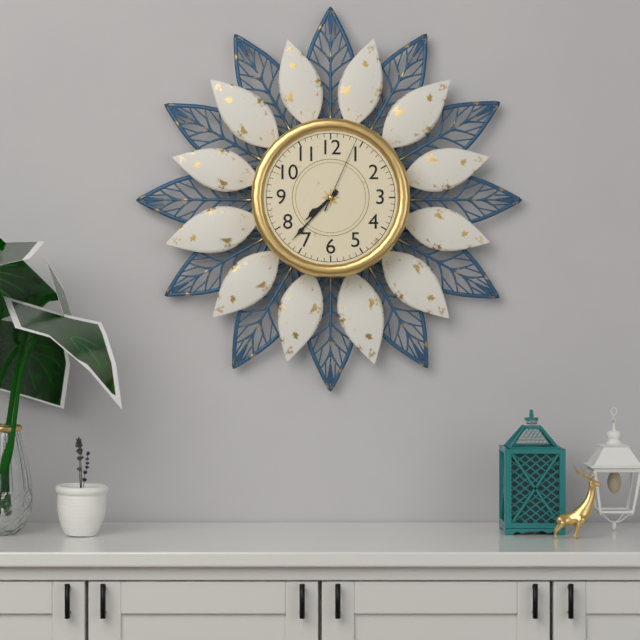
7.37.04
